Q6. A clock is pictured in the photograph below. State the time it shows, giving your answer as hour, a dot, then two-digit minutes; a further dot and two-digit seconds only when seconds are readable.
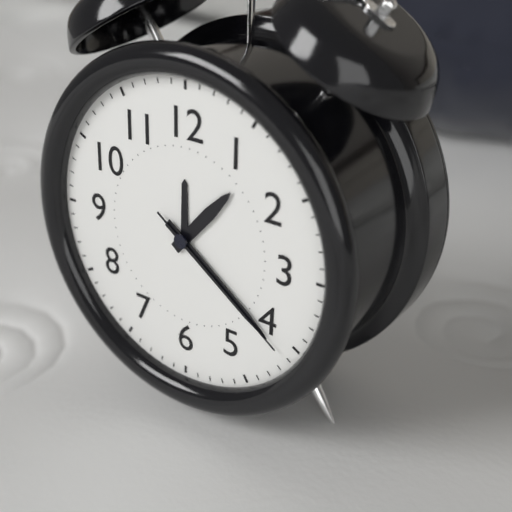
1.21.21
